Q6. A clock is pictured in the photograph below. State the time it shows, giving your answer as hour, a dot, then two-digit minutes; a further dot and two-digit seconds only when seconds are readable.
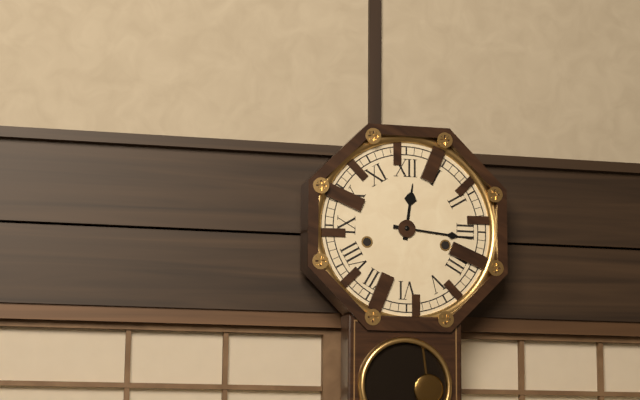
12.16
